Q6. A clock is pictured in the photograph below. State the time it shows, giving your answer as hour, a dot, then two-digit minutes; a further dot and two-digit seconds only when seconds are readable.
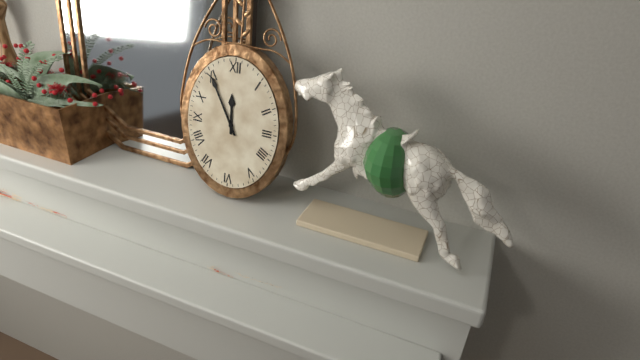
11.55
